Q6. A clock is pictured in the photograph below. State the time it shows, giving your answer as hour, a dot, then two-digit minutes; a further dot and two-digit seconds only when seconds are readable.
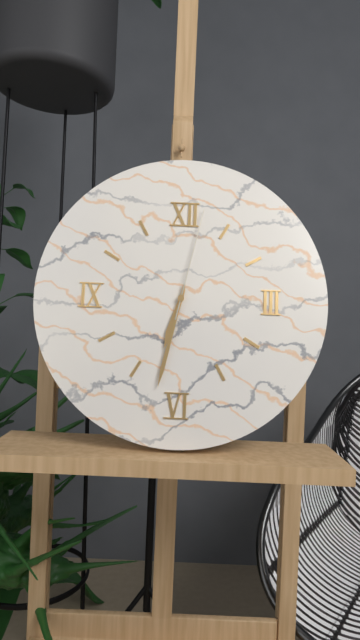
6.32.02
